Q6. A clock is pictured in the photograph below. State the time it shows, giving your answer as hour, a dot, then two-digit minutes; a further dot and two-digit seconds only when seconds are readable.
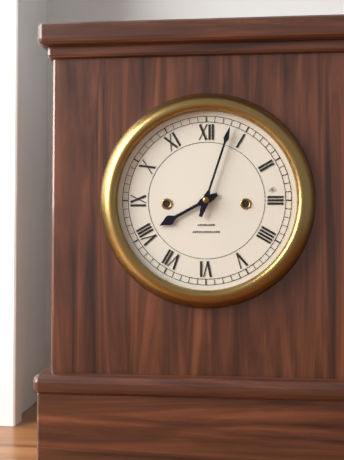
8.03
